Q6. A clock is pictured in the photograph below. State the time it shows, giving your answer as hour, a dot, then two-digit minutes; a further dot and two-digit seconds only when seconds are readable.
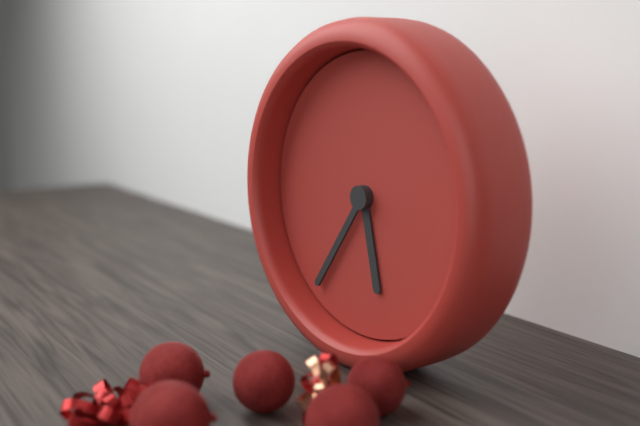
5.36
